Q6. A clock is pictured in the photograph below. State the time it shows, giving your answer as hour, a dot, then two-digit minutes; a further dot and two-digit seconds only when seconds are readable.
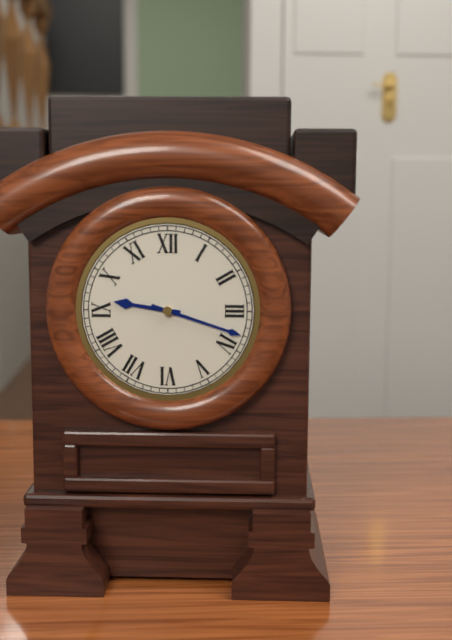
9.18
